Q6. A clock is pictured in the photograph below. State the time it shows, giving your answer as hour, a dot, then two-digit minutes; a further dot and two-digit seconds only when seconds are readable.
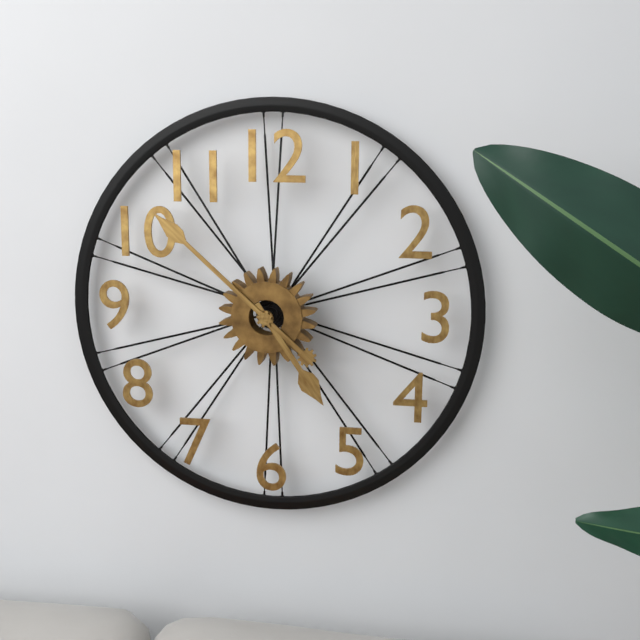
4.52
